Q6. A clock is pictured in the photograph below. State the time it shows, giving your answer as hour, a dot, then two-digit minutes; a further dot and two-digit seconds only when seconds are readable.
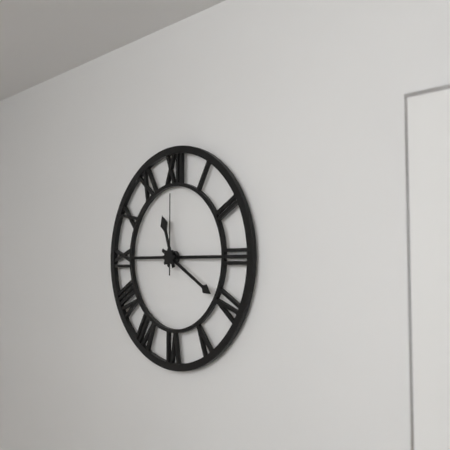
11.20.00
